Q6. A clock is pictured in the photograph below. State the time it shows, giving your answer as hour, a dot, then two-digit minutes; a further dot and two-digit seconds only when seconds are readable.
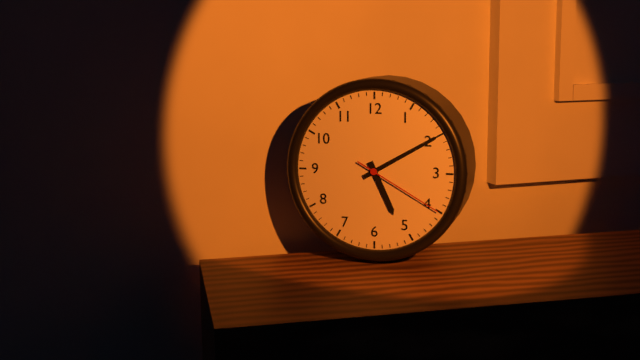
5.10.20
